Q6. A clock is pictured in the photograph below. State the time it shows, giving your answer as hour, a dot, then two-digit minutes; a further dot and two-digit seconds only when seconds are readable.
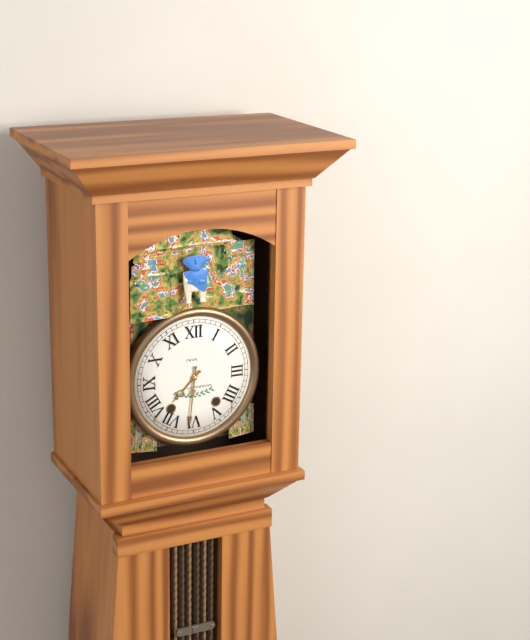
7.31
